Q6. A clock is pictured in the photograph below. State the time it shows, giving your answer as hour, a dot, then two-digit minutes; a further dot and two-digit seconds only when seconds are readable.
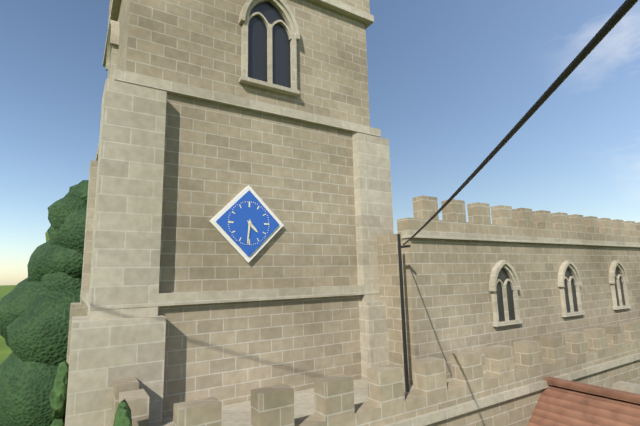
4.31
